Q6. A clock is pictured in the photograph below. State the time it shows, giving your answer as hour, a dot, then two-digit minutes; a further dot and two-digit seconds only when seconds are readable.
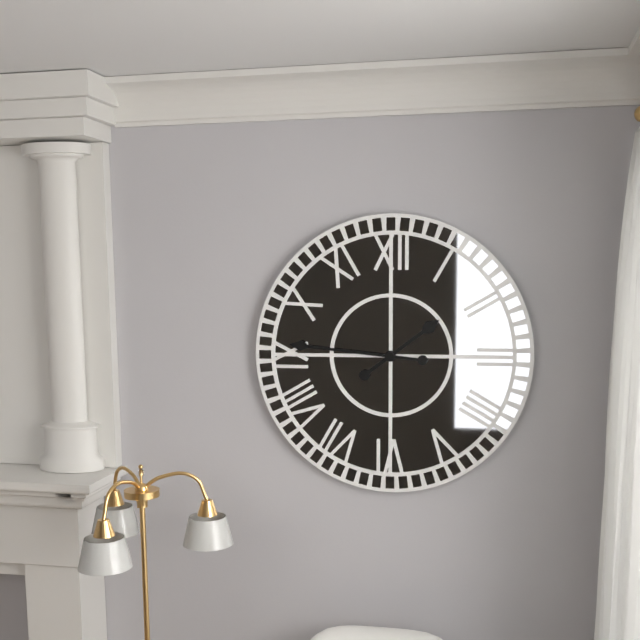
1.46
